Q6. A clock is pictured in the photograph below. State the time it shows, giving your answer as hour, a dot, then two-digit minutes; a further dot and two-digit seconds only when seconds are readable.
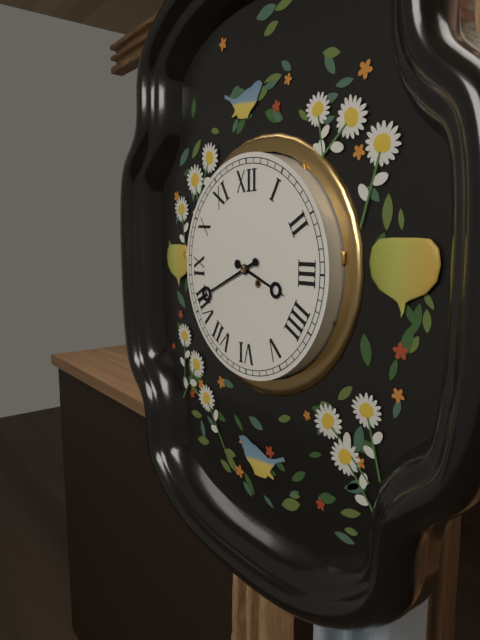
3.41
